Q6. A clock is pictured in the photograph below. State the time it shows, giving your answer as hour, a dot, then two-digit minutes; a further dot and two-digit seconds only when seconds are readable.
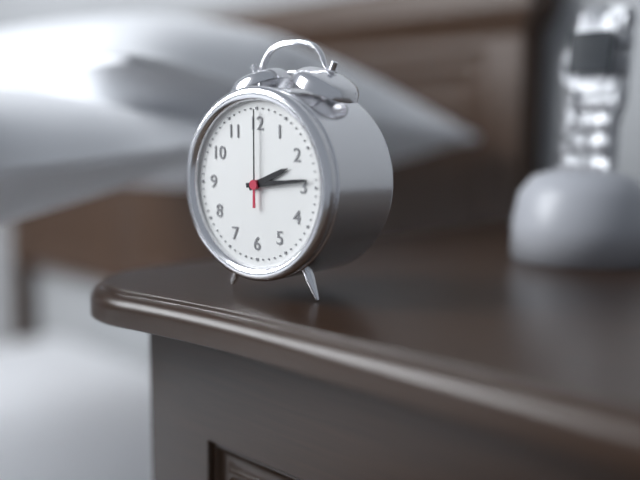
2.14.00
